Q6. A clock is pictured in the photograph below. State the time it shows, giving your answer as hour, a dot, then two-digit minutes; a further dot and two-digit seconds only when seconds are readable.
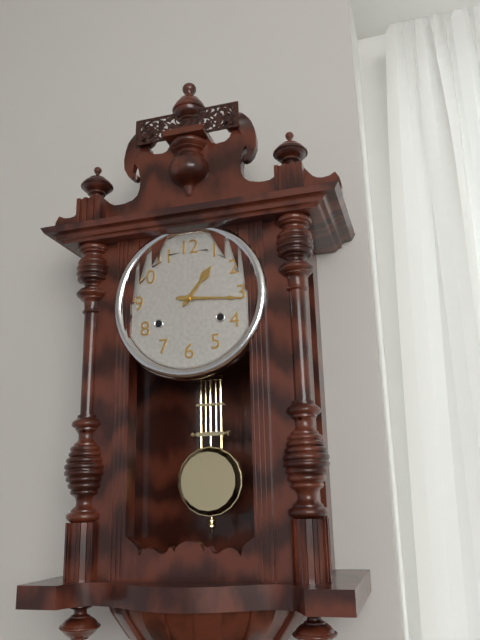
1.16
